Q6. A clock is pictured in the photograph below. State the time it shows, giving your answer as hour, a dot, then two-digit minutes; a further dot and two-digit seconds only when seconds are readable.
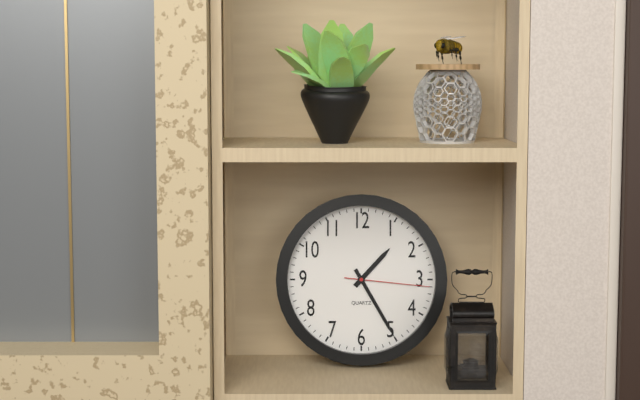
1.25.16
